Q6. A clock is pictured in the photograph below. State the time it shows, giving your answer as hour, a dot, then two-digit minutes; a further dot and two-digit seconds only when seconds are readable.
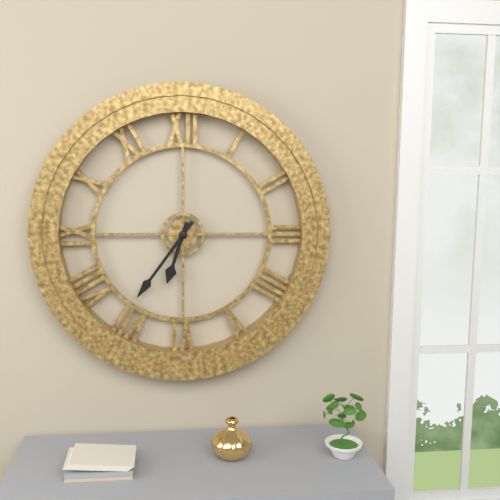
6.36
